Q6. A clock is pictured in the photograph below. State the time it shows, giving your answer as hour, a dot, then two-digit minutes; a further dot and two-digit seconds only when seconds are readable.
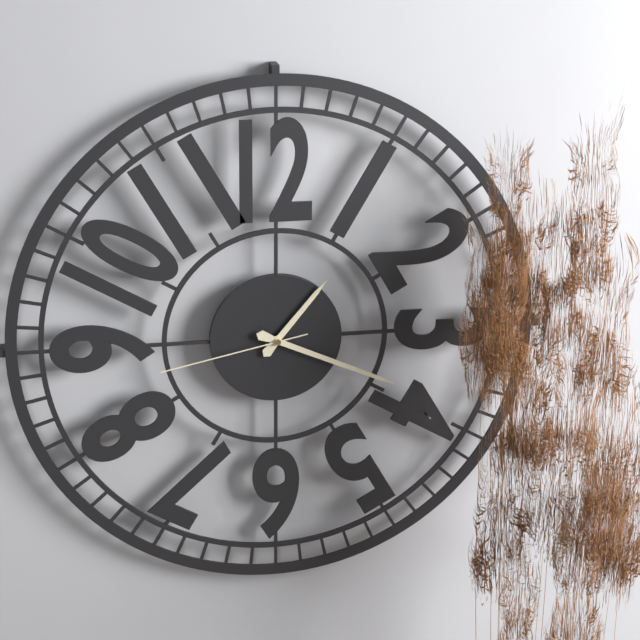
1.19.43
